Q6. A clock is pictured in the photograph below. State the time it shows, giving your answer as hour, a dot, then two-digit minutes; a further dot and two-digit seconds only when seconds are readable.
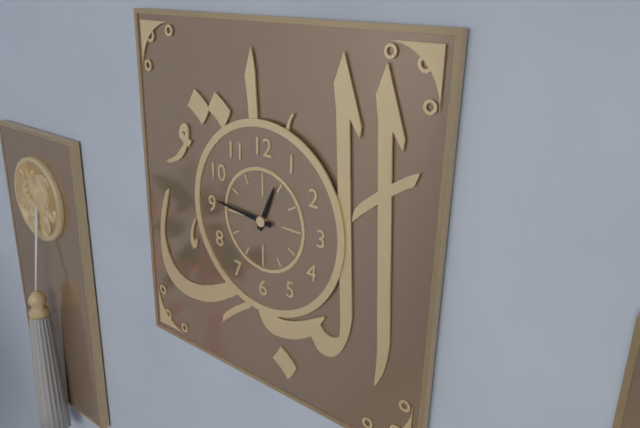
12.46
